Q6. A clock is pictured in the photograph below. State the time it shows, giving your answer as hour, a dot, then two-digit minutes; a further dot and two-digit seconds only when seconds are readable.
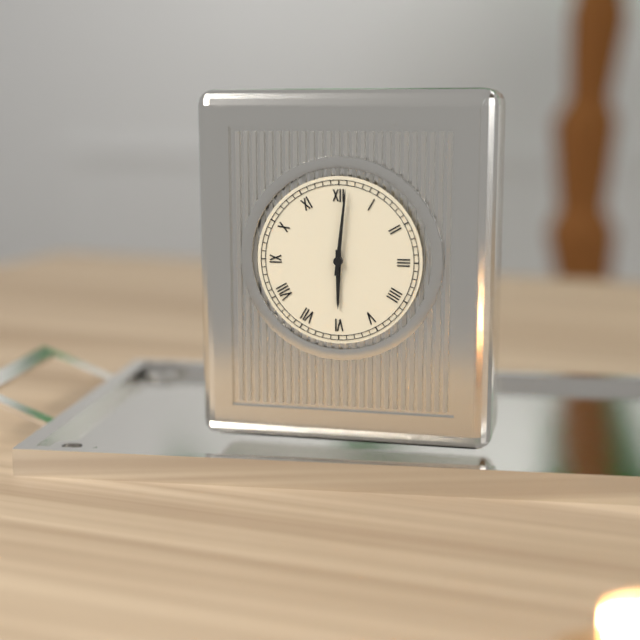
6.01
